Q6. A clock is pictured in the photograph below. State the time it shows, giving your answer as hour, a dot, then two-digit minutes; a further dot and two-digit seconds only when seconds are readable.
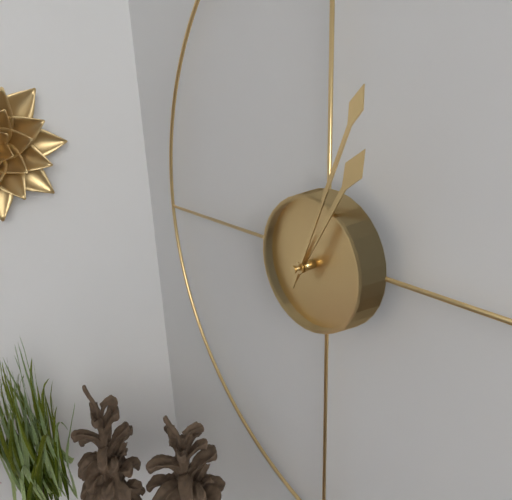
1.04
